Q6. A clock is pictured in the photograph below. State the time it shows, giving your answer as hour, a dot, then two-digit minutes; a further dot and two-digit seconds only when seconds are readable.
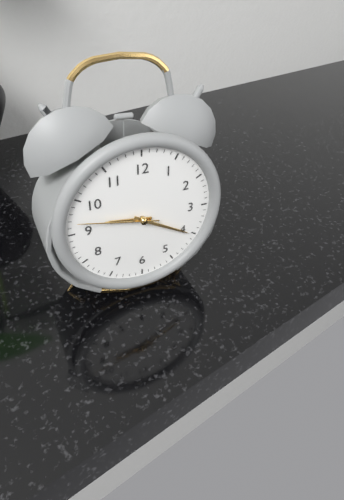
9.20.47
